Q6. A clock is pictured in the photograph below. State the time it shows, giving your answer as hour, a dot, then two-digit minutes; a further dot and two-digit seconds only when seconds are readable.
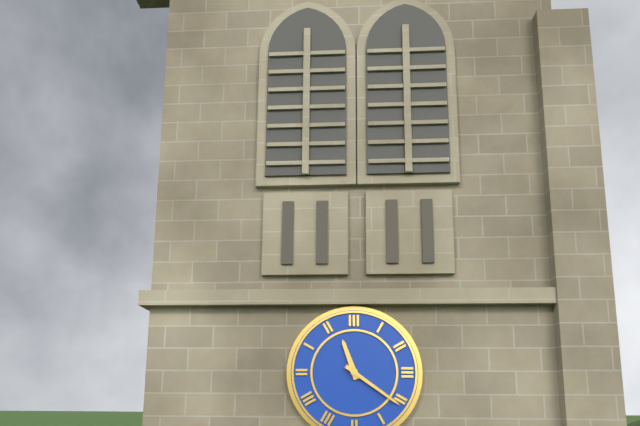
11.21
